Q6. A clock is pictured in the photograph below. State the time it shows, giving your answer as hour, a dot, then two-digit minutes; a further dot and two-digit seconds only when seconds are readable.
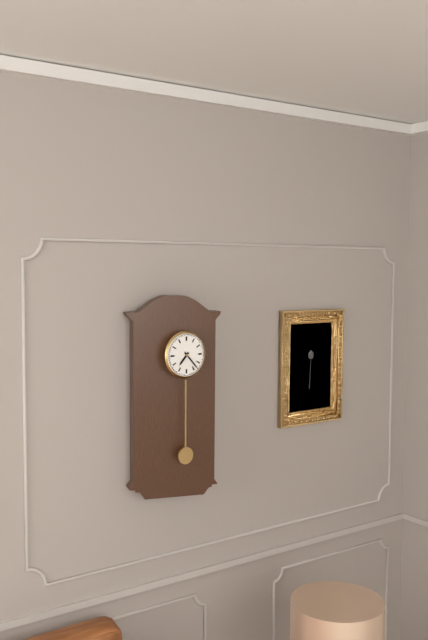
7.23
